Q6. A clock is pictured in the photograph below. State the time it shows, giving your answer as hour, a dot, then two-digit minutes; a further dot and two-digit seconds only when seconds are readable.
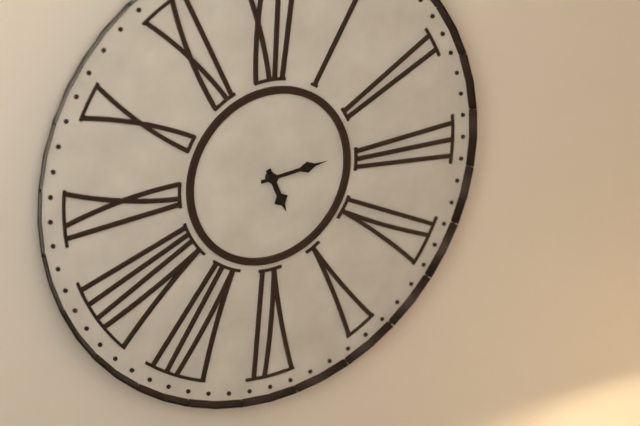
5.14
